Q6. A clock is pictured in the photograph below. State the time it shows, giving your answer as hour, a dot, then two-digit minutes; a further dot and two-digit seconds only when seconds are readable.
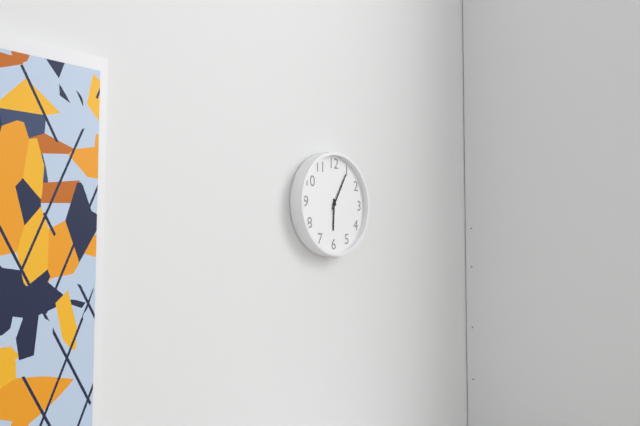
6.05
